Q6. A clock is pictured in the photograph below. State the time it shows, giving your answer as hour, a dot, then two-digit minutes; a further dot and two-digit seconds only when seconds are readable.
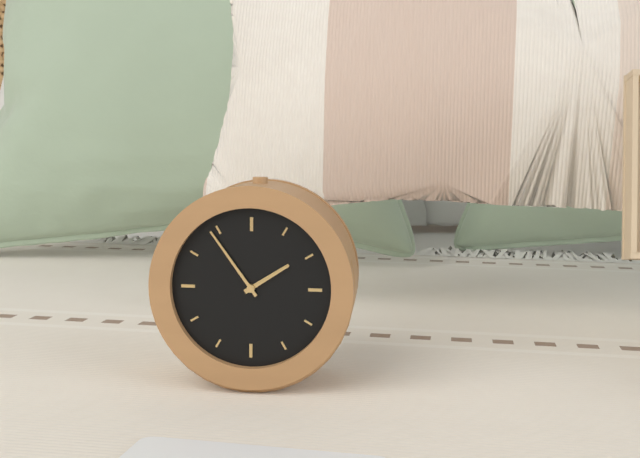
1.54
